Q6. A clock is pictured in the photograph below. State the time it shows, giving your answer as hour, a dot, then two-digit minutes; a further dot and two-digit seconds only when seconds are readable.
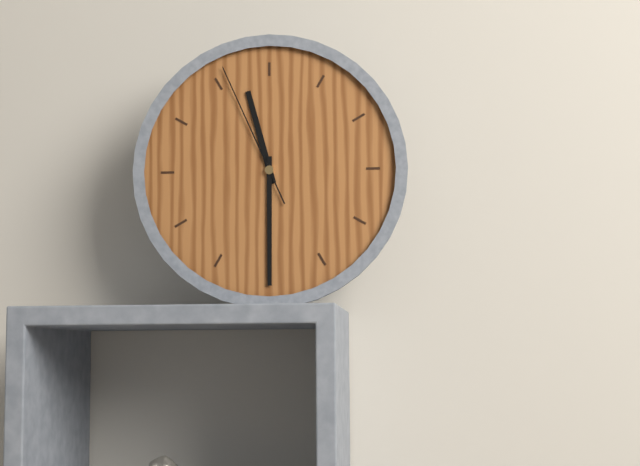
11.30.56
